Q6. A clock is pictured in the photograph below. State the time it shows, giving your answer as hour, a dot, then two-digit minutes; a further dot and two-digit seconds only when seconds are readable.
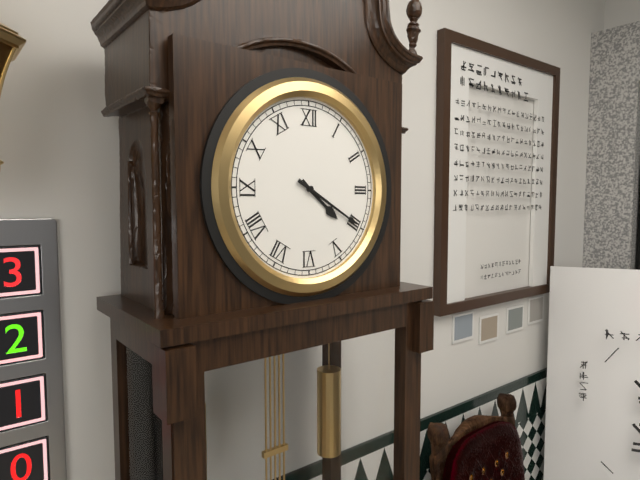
4.20
